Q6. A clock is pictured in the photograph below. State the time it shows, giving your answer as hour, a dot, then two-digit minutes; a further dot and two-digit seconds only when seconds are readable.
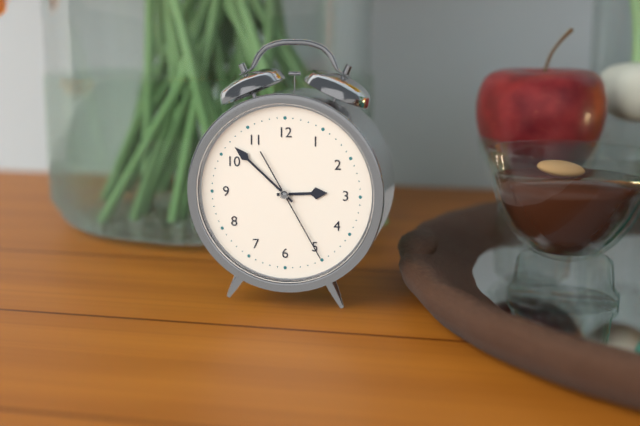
2.52.25
